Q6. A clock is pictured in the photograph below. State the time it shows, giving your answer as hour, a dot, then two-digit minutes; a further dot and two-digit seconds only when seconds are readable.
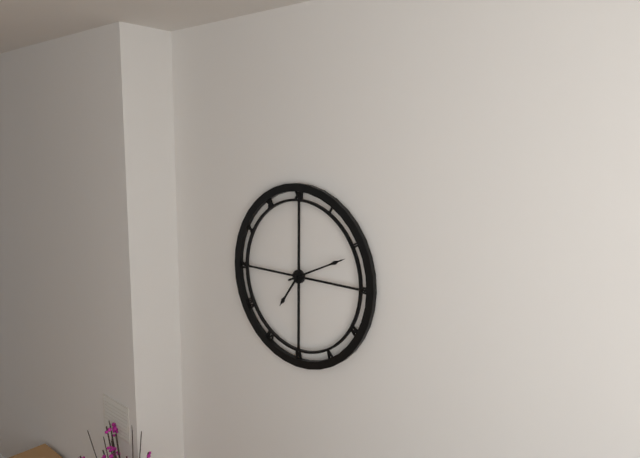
7.11
